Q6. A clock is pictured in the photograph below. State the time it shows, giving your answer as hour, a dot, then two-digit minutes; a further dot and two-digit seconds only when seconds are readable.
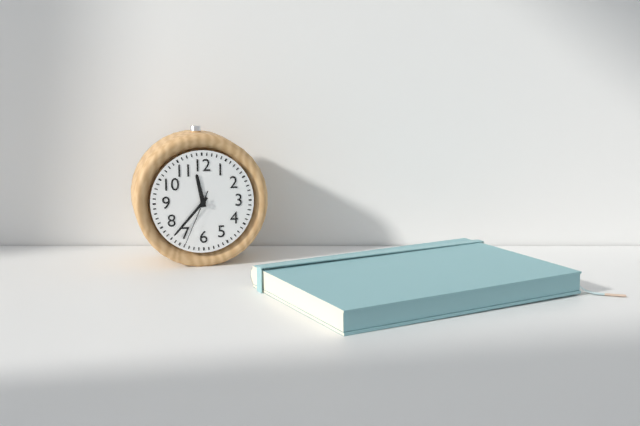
11.37.34
